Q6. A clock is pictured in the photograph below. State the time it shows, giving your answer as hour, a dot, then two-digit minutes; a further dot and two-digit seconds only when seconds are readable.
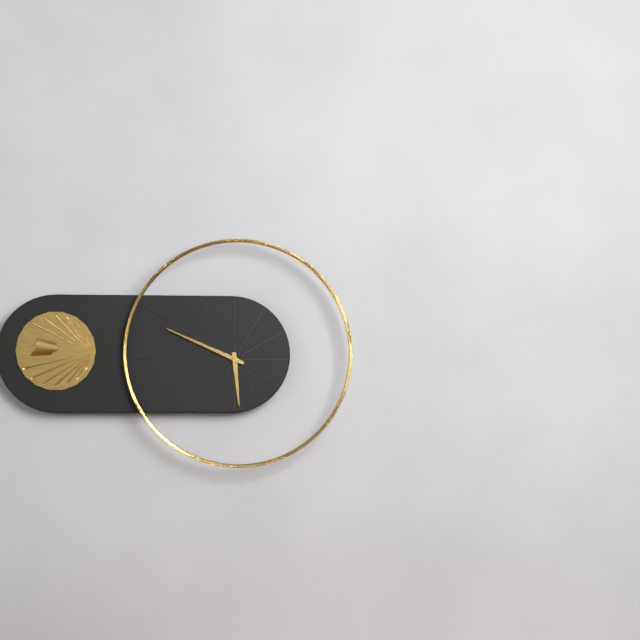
5.49
